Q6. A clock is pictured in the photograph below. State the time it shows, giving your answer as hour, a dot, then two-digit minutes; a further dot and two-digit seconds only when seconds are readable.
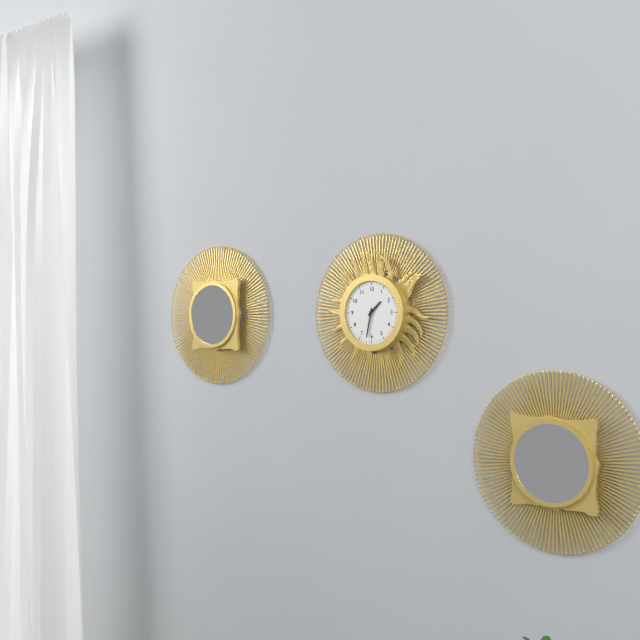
1.32
